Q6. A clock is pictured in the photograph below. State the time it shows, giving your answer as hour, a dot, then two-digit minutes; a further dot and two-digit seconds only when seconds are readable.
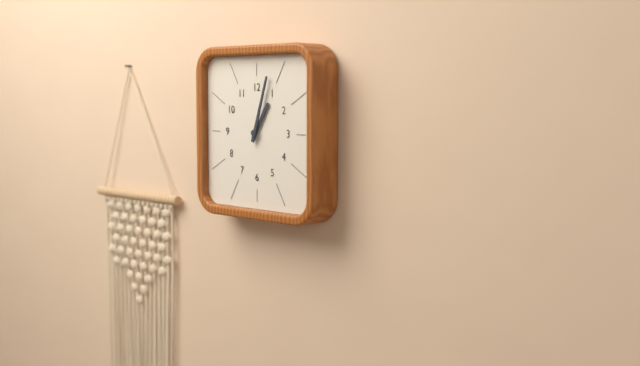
1.03
